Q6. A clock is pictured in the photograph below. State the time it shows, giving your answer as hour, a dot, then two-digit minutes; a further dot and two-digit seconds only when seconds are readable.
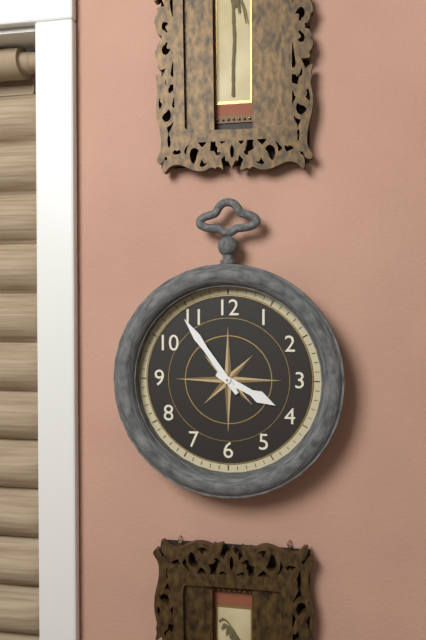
3.54
